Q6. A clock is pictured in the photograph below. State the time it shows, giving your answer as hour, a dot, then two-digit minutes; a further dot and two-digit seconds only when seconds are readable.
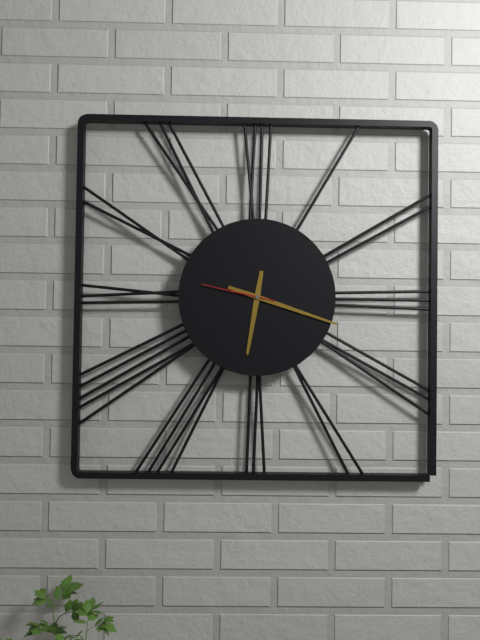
6.18.47
